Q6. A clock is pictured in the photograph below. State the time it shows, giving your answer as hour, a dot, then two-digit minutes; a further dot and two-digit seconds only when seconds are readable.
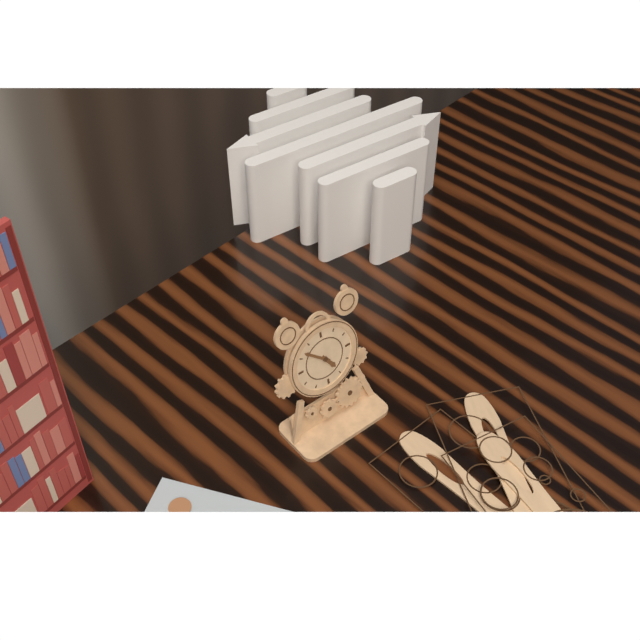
4.52
